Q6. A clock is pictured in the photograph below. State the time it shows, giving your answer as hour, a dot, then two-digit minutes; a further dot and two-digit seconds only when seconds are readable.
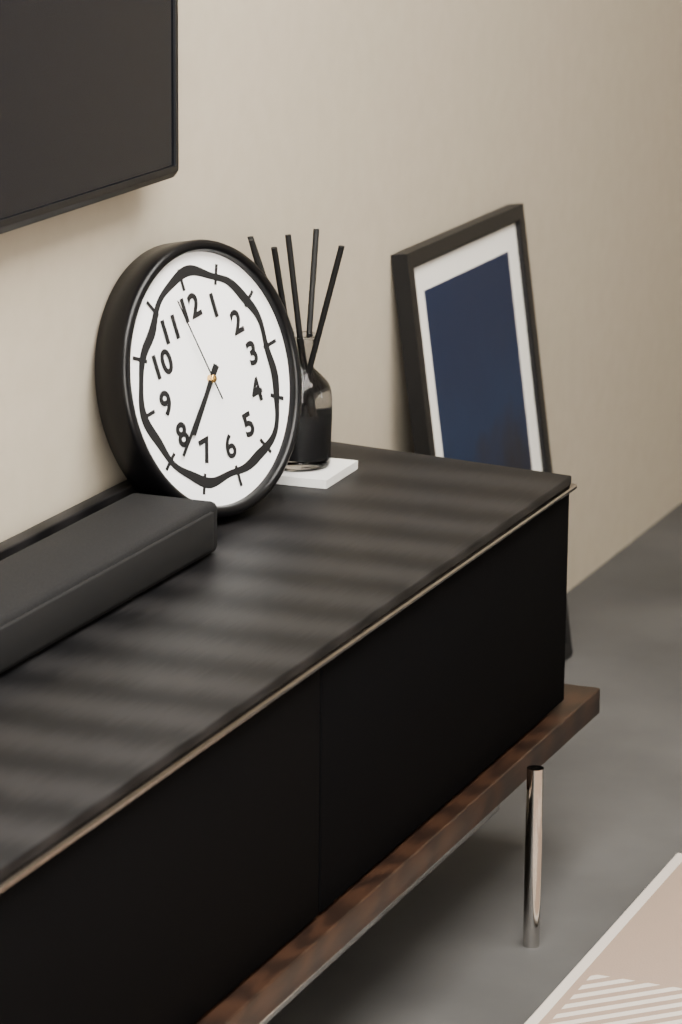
7.39.58
